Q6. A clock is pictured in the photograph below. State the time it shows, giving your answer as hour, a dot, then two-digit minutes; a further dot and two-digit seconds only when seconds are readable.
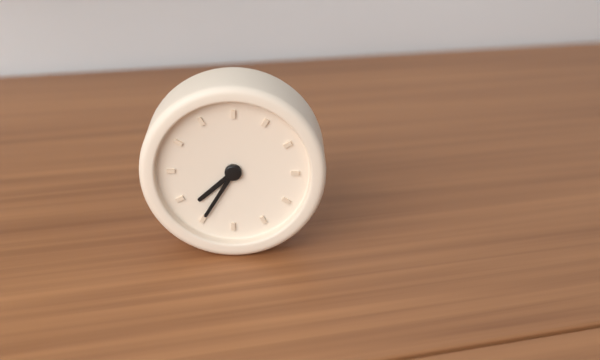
7.35
